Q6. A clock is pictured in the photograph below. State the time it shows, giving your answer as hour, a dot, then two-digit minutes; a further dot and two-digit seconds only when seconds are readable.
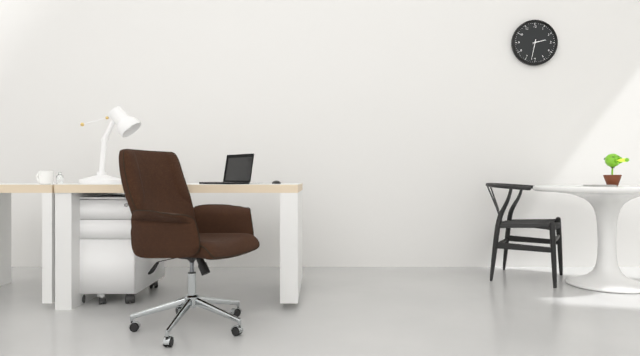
2.32
